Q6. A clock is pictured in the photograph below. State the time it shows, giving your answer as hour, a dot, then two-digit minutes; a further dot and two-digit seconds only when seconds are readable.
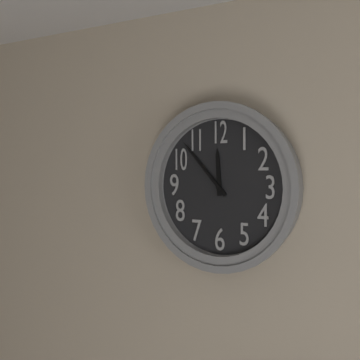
11.53
